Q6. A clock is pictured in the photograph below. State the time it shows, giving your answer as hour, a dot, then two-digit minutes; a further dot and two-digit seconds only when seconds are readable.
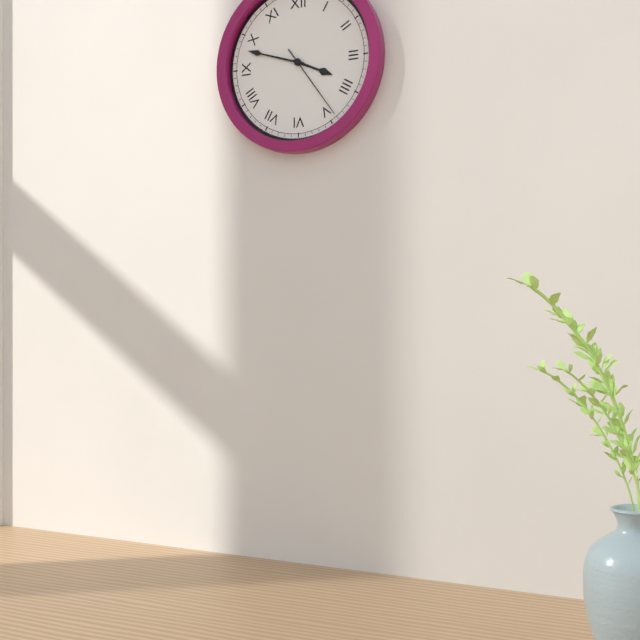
3.48.24
